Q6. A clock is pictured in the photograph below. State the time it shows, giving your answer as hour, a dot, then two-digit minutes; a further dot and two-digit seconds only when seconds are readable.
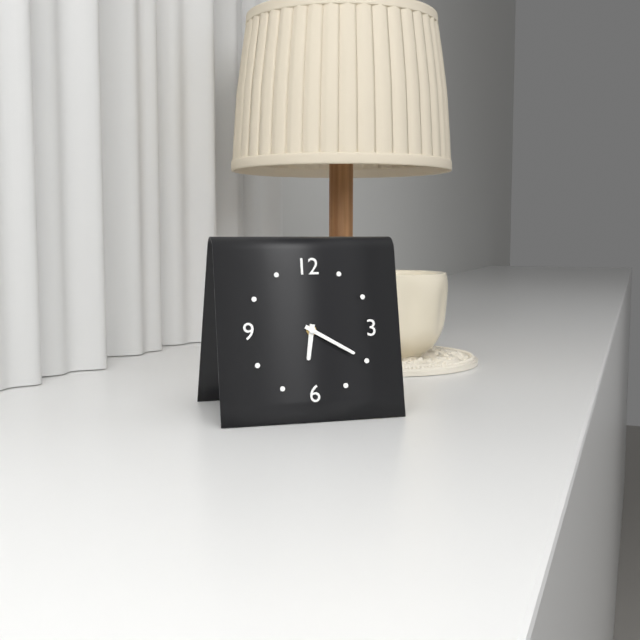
6.20
